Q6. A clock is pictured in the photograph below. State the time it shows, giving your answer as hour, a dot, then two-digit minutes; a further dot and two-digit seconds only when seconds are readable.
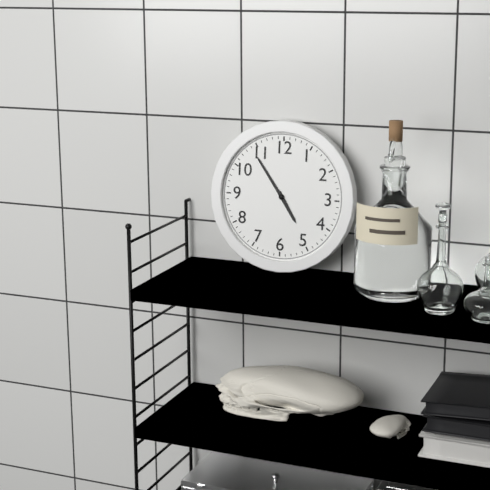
4.54
